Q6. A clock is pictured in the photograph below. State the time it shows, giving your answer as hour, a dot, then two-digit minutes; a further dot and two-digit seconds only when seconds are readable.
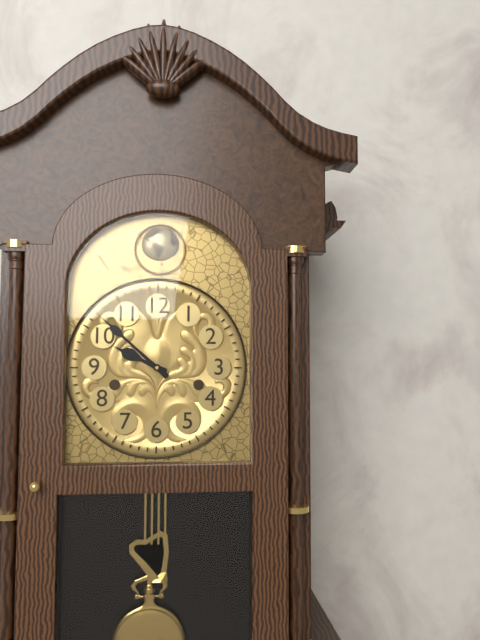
9.52
